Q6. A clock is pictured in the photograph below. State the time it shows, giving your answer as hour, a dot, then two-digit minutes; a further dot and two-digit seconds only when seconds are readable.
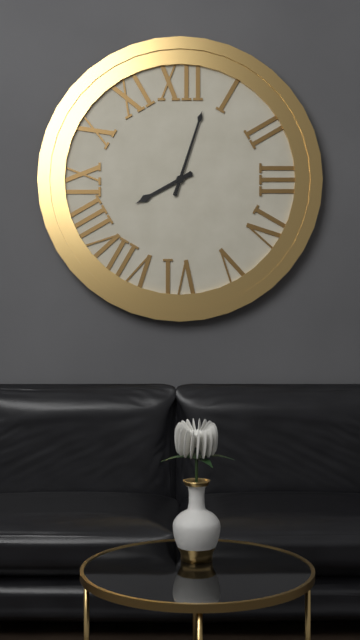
8.03
